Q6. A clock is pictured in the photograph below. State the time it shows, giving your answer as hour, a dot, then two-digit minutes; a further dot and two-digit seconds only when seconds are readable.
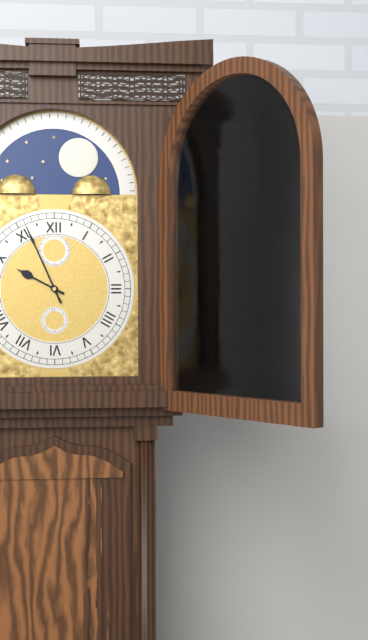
9.56
